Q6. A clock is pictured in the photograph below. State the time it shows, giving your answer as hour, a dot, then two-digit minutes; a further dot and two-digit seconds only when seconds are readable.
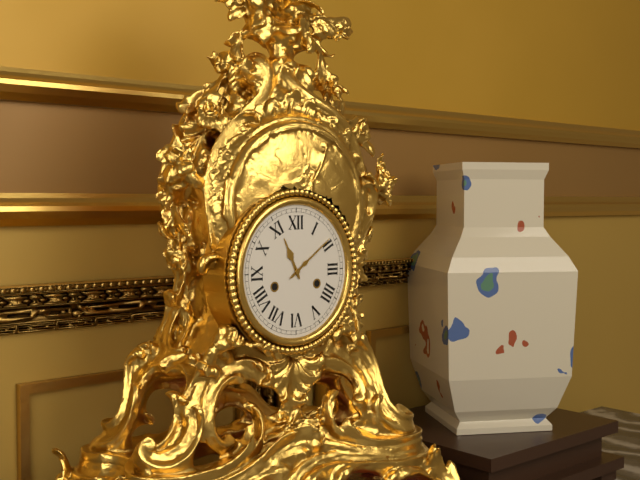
11.09
